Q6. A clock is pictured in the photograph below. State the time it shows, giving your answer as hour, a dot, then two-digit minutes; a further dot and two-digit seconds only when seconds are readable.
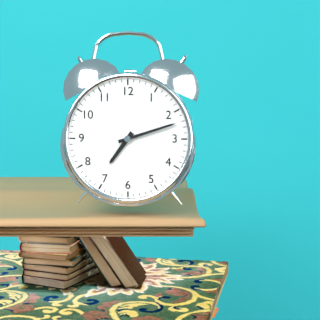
7.12
